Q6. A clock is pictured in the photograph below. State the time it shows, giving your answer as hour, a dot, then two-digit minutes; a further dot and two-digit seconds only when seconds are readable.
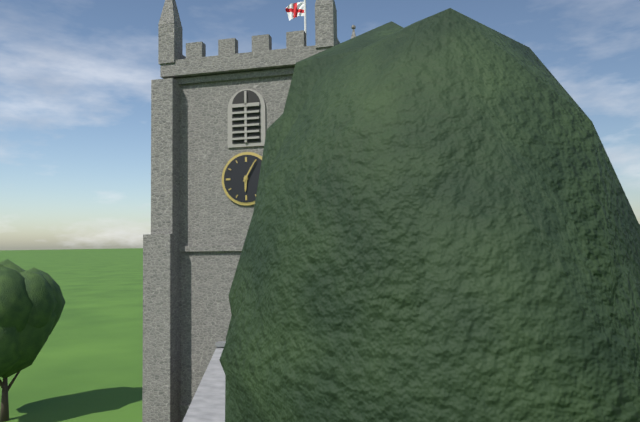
6.05
